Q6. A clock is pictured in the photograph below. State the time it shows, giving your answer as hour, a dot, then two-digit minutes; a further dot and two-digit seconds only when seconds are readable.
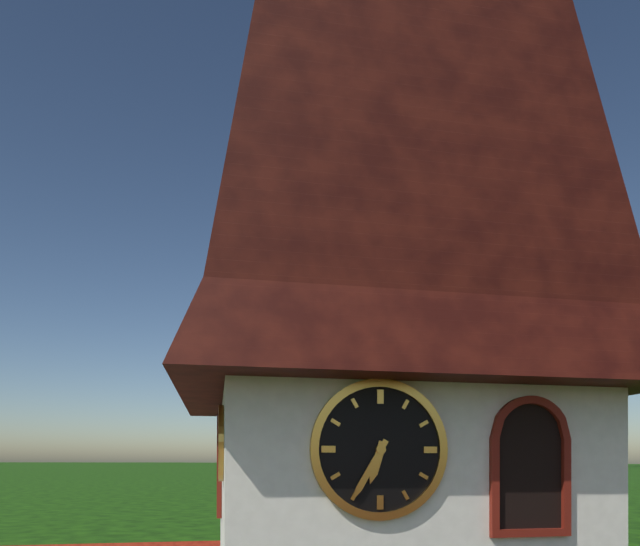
6.35
